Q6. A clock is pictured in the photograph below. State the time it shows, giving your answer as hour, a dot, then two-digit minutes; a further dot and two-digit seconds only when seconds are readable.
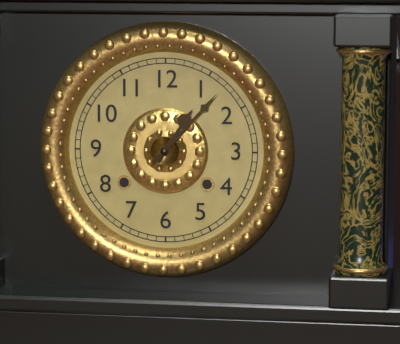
1.07
